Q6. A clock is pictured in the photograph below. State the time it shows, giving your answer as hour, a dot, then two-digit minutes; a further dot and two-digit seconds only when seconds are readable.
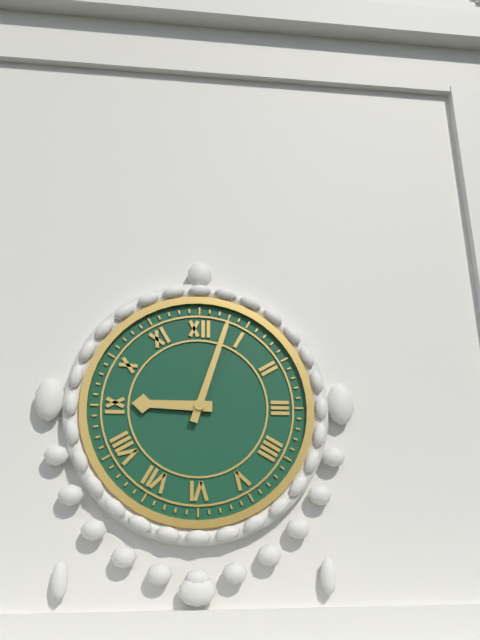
9.03
